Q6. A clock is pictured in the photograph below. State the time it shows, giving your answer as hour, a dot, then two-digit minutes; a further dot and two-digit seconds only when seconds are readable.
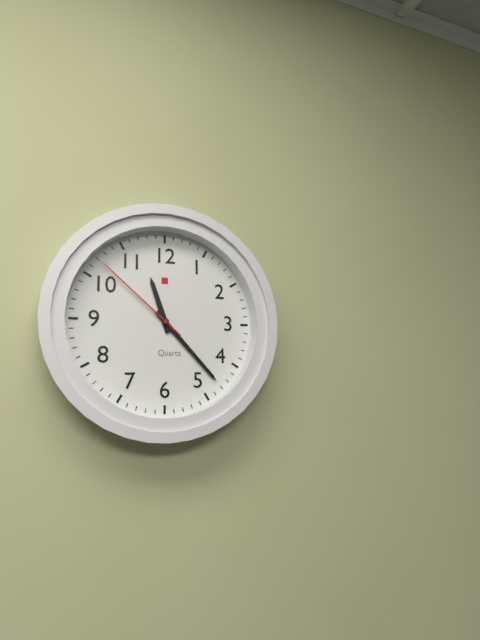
11.23.52
